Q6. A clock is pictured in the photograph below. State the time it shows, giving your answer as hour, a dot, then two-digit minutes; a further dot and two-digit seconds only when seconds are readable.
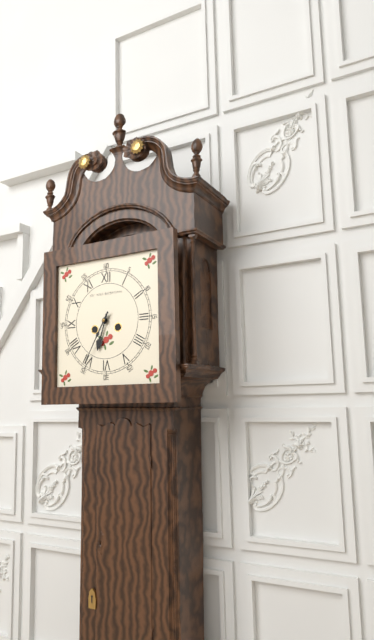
6.35
